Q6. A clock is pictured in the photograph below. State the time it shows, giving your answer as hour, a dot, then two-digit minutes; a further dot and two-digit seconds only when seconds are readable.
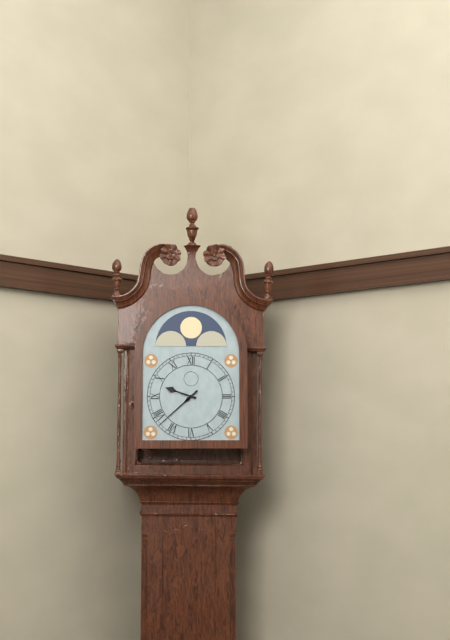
9.38
